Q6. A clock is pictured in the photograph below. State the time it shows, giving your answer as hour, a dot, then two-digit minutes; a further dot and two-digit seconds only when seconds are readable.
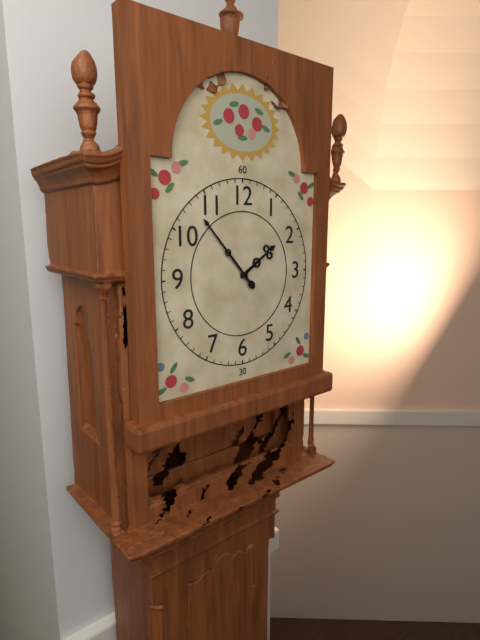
1.53
